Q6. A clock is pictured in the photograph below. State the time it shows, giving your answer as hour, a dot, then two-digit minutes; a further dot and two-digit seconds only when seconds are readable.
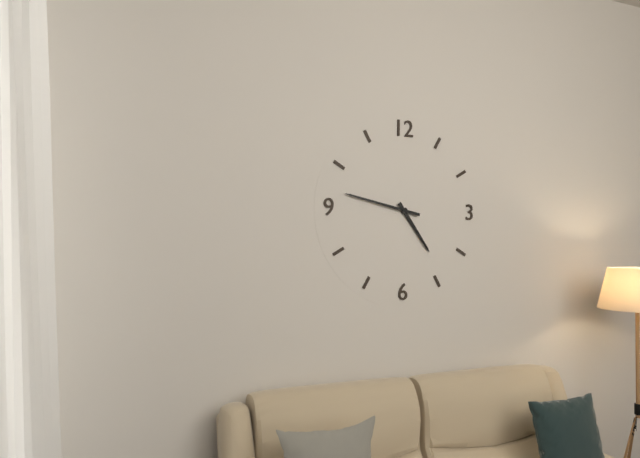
4.47
